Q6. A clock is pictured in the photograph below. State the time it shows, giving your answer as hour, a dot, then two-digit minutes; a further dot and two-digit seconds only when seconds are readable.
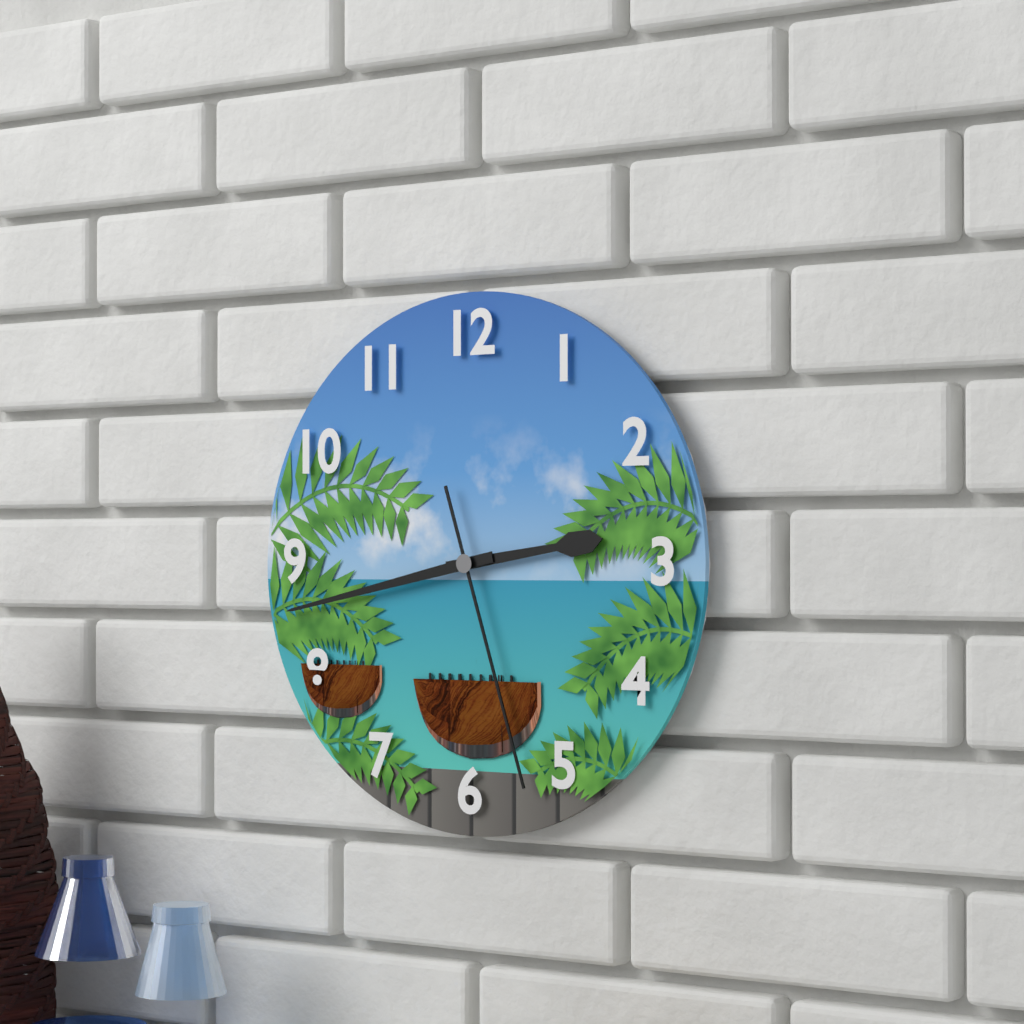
2.43.27
